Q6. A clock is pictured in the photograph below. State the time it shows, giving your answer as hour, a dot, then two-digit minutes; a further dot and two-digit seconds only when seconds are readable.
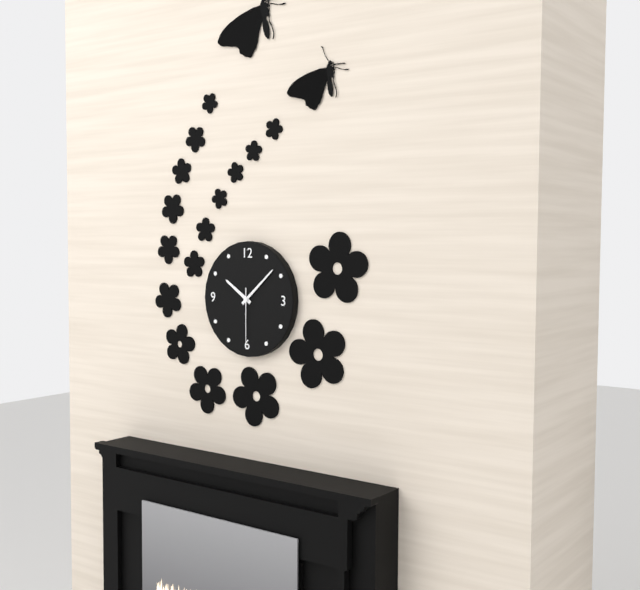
10.08.30
